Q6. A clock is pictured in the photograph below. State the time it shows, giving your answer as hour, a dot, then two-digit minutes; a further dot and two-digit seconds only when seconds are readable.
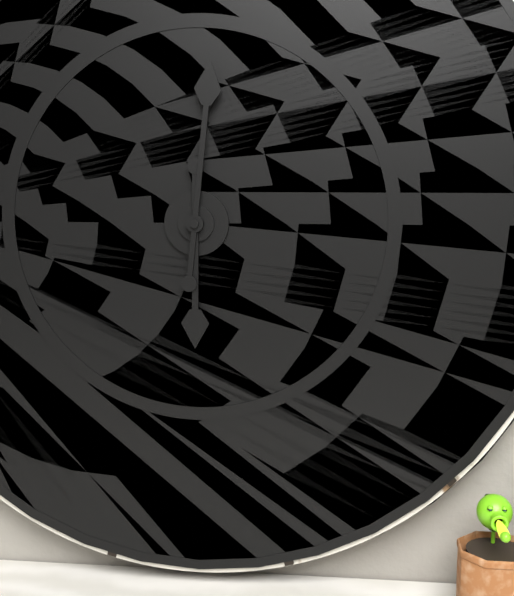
6.01
